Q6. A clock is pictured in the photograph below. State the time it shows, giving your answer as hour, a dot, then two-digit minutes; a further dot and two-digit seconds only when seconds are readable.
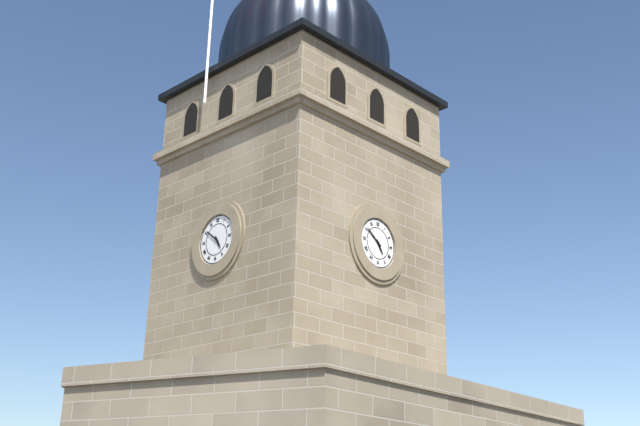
4.51
